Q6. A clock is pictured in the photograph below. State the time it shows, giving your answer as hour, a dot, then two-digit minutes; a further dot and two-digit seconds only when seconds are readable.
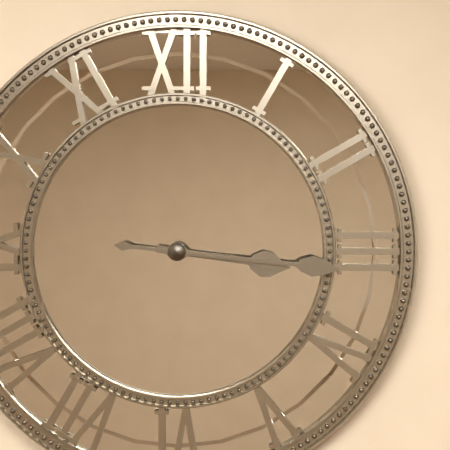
3.16
